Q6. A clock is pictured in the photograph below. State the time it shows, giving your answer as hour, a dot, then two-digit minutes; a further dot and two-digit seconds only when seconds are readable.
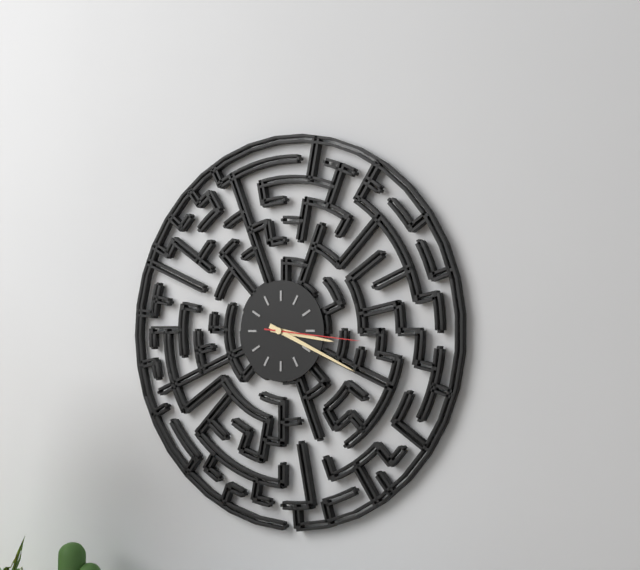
3.19.16
